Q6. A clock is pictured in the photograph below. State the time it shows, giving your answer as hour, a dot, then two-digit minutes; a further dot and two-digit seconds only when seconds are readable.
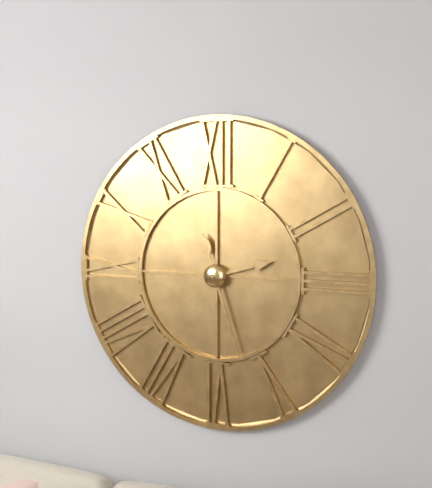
2.27
